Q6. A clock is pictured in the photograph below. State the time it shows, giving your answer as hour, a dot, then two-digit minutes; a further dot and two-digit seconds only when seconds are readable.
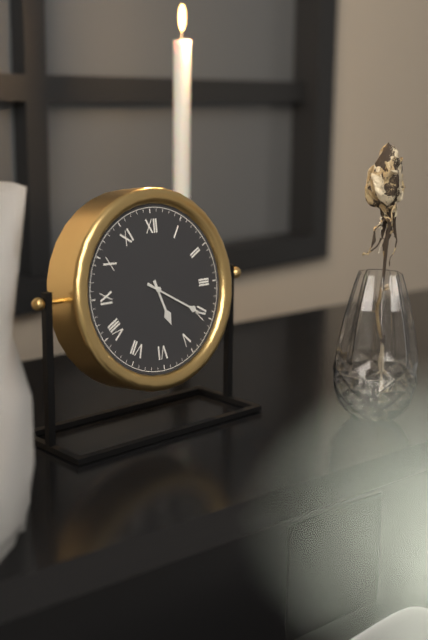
5.20
